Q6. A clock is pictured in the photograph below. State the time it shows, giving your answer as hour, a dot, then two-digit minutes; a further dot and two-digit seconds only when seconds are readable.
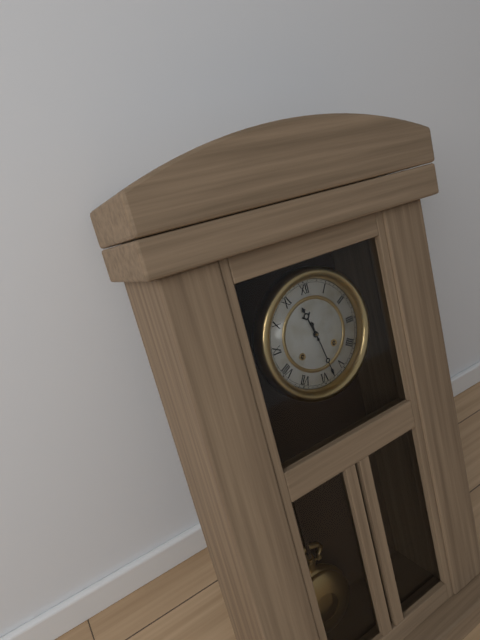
11.28
